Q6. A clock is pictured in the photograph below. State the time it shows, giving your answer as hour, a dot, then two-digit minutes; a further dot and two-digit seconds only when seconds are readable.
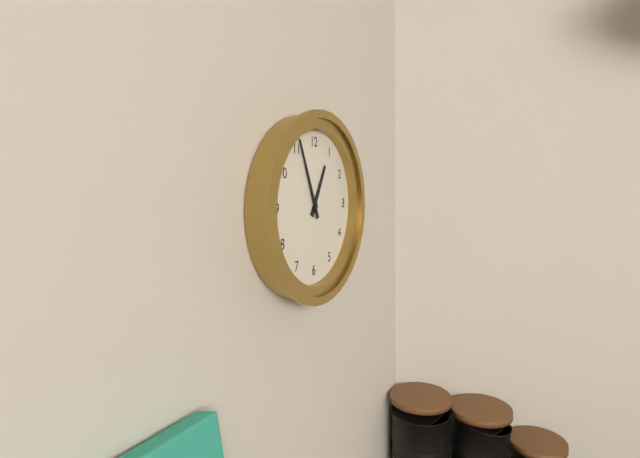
12.56
